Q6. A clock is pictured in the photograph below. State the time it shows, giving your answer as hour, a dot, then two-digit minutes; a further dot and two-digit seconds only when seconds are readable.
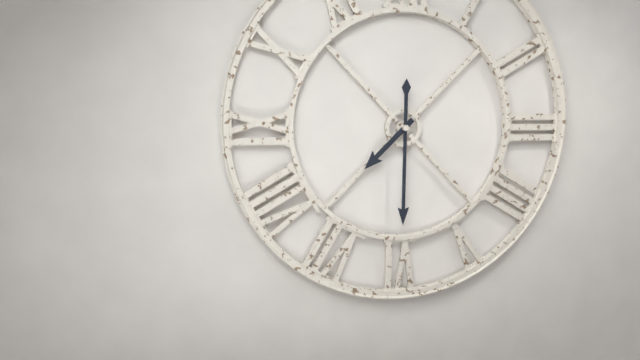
7.30
